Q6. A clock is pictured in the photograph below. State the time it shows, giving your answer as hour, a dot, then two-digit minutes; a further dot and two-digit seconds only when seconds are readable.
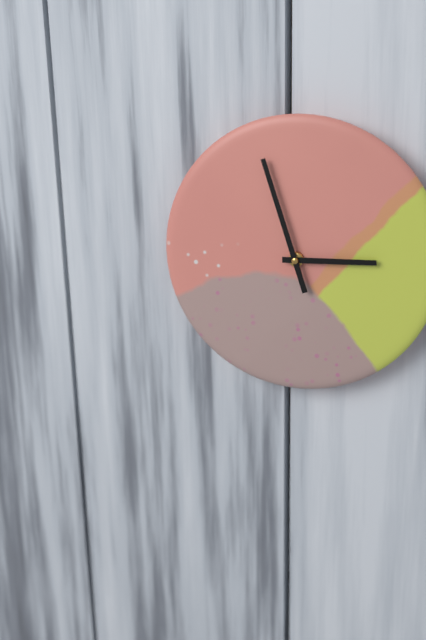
2.57
